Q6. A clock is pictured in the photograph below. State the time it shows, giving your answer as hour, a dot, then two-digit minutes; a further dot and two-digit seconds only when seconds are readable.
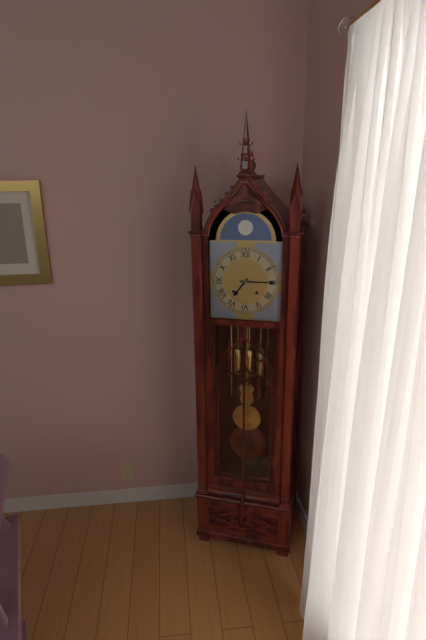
7.15
